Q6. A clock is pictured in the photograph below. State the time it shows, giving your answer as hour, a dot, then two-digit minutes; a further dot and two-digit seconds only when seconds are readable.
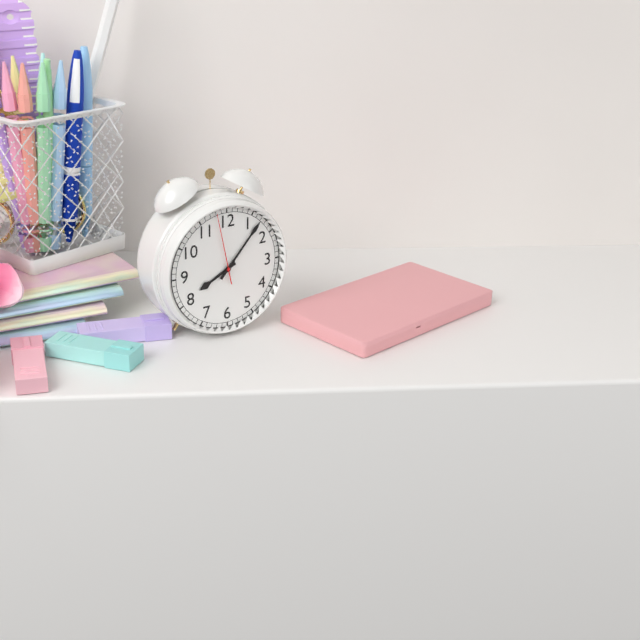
8.07.58
